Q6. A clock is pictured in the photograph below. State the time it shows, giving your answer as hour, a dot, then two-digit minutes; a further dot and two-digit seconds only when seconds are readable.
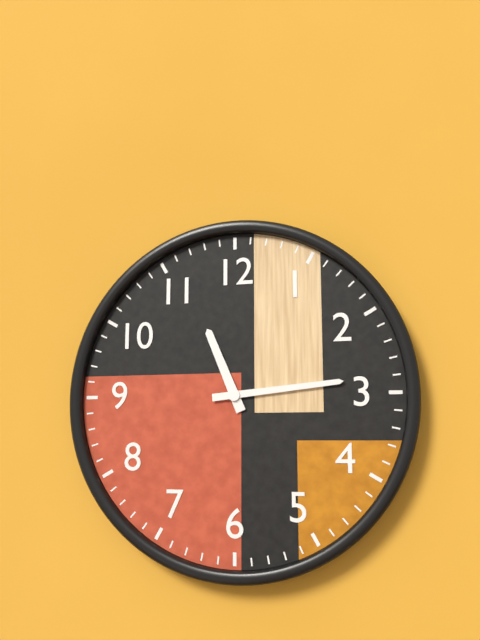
11.14
